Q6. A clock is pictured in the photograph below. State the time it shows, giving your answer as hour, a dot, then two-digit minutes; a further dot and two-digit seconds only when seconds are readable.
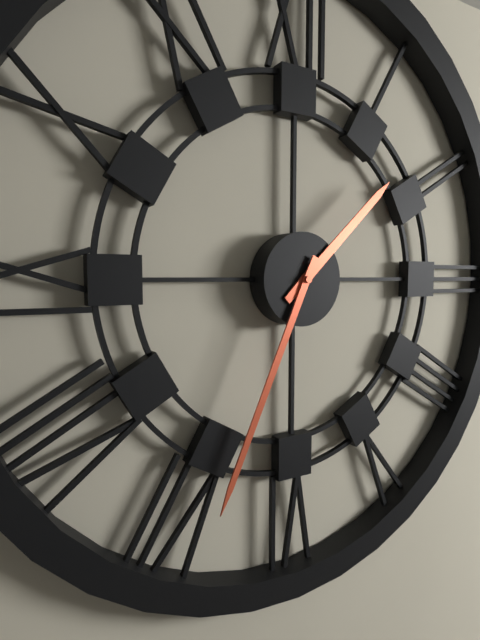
1.34
